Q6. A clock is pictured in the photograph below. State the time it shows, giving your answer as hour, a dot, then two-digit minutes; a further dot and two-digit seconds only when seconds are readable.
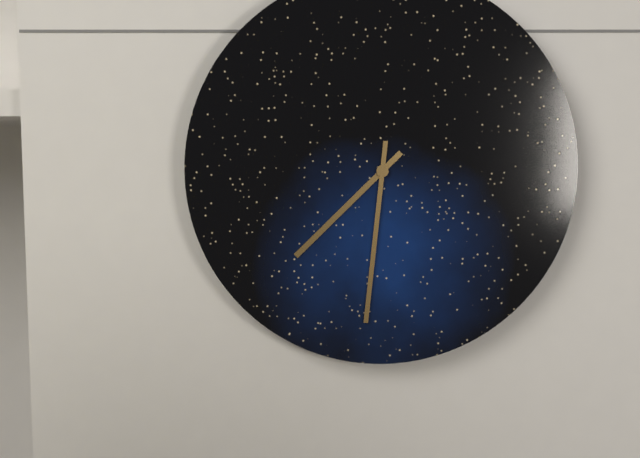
7.31
